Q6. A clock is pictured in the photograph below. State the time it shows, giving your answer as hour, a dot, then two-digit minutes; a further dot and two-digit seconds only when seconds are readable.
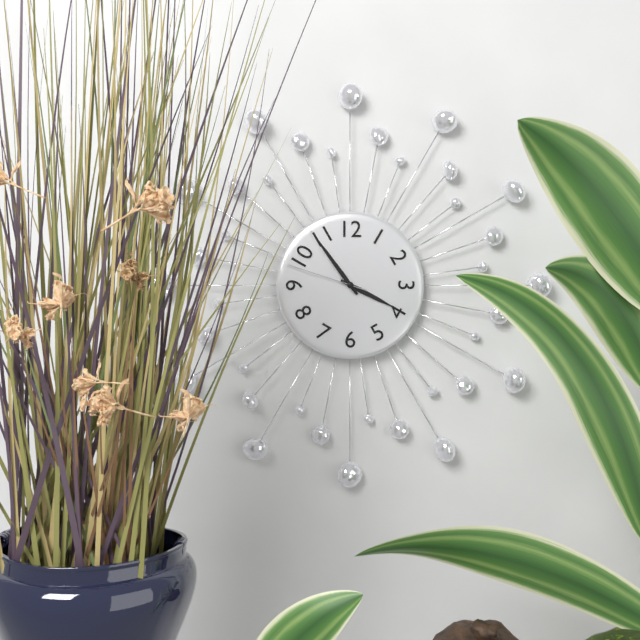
3.54.48
